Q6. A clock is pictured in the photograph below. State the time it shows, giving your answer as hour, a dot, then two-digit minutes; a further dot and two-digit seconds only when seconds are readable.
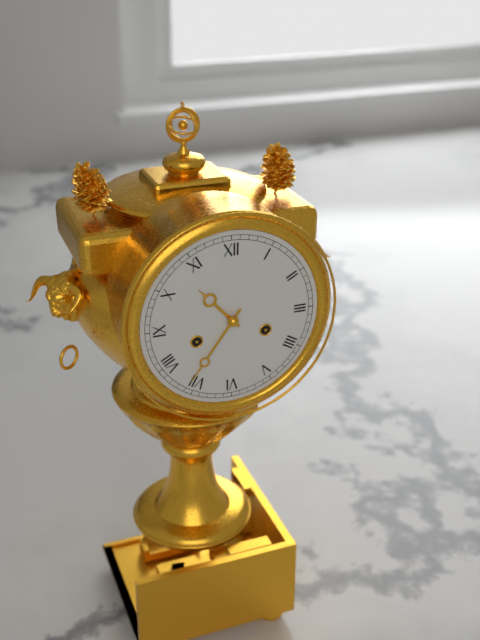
10.36
